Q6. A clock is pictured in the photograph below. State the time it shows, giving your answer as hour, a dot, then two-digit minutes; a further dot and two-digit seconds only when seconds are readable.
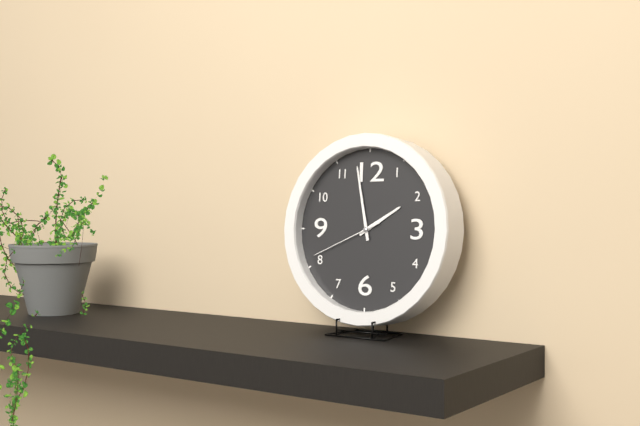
1.58.41
